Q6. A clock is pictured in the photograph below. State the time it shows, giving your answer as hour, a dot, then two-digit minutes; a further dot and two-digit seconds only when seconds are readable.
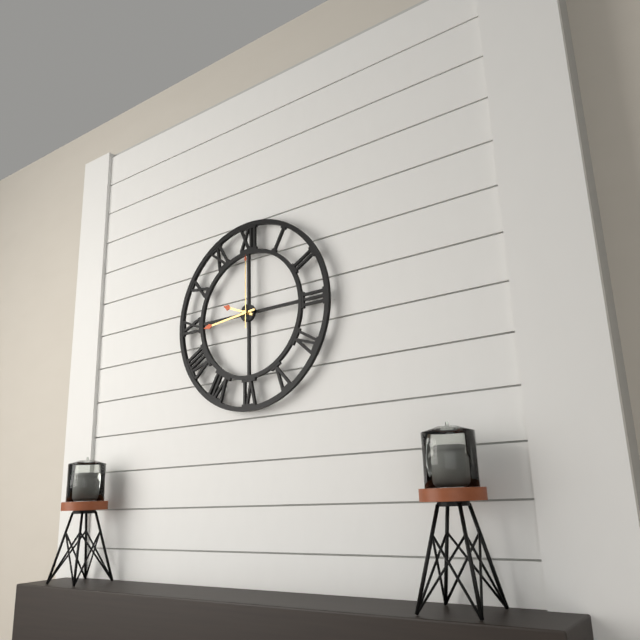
9.44.00
